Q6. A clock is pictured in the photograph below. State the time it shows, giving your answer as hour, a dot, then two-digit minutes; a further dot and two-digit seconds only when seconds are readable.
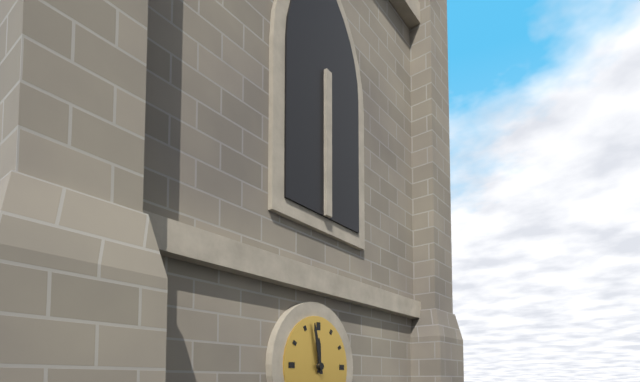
11.58
